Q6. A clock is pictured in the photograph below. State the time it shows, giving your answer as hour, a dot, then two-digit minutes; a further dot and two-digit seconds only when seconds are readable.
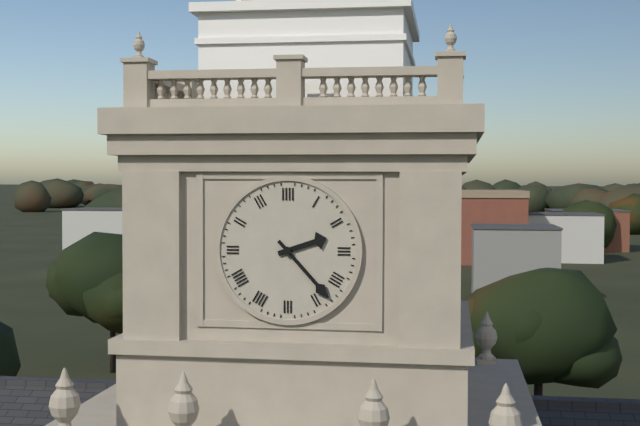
2.23
